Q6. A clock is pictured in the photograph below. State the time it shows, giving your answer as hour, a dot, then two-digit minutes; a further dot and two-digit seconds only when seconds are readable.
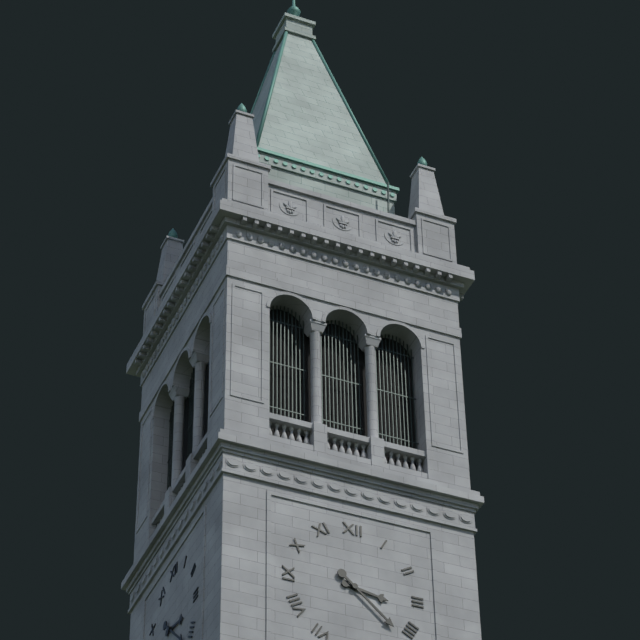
3.22
